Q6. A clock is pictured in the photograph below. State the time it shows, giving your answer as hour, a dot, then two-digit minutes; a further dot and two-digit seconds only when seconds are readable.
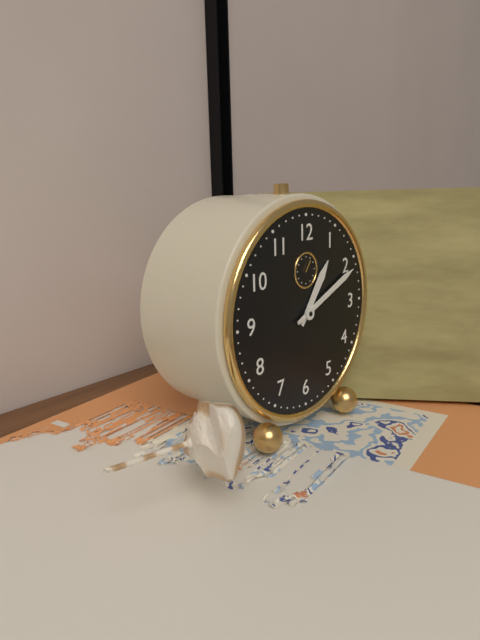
1.11
